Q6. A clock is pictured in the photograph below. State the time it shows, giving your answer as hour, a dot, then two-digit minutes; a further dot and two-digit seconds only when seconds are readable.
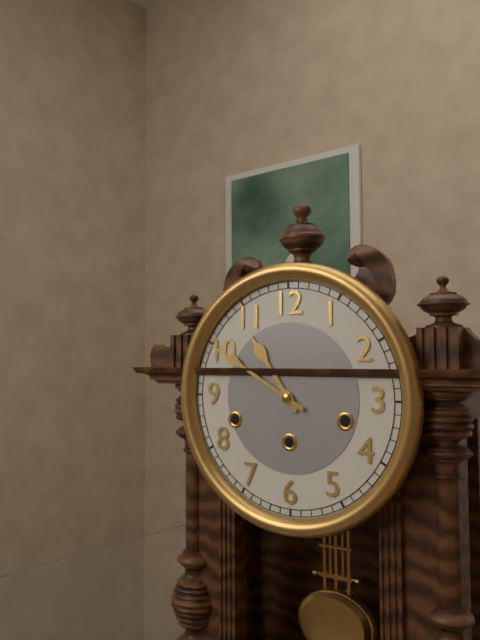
10.50
